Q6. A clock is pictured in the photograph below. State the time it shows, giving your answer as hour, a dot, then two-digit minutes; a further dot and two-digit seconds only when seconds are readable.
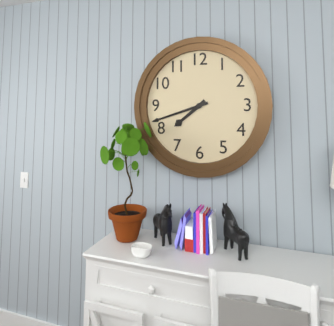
7.42
